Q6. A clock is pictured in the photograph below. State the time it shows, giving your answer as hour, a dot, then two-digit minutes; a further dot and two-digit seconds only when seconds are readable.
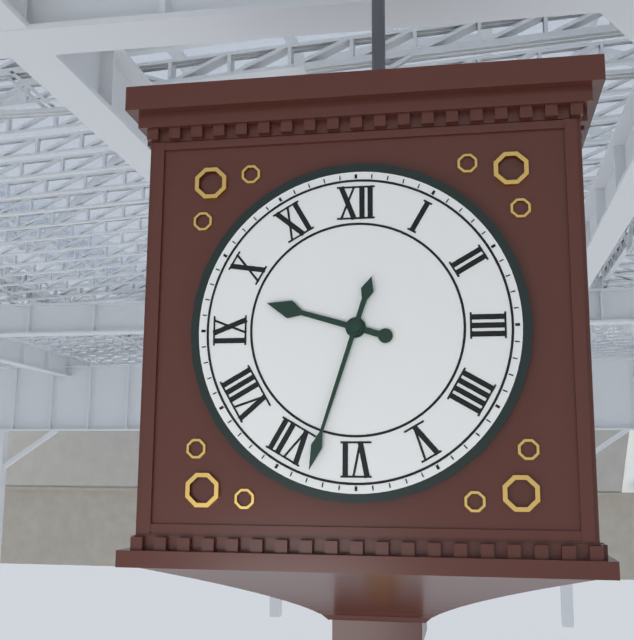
9.33
